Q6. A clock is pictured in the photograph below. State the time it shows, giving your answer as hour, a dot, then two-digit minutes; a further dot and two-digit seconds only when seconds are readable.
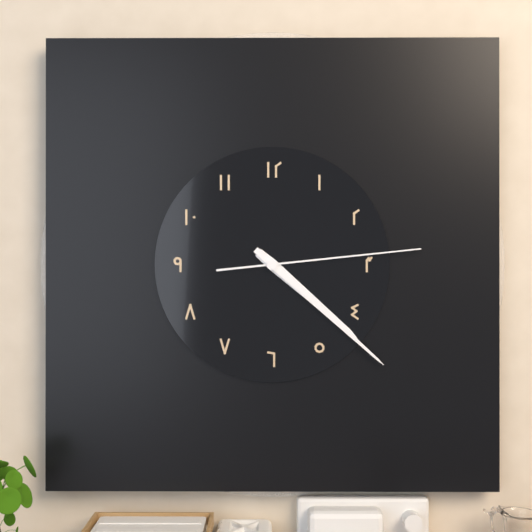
4.22.14
